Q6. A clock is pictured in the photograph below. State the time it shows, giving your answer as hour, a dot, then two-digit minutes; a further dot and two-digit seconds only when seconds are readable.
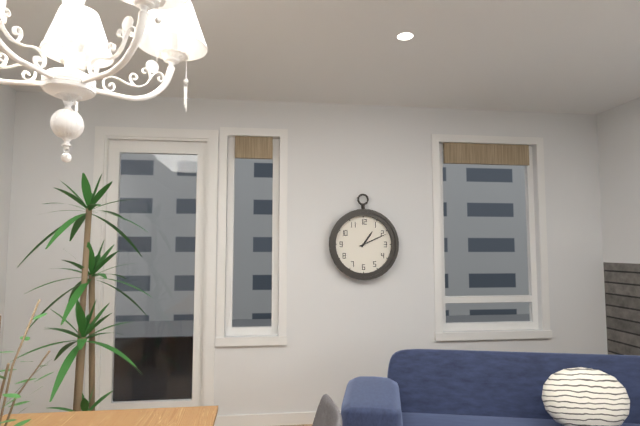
1.11
